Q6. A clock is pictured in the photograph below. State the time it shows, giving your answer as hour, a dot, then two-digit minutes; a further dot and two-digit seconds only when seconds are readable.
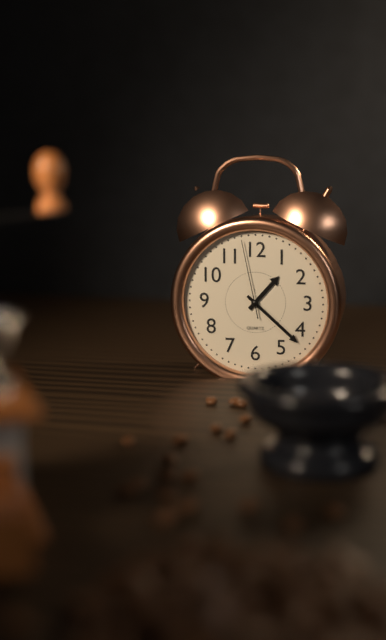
1.22.58
